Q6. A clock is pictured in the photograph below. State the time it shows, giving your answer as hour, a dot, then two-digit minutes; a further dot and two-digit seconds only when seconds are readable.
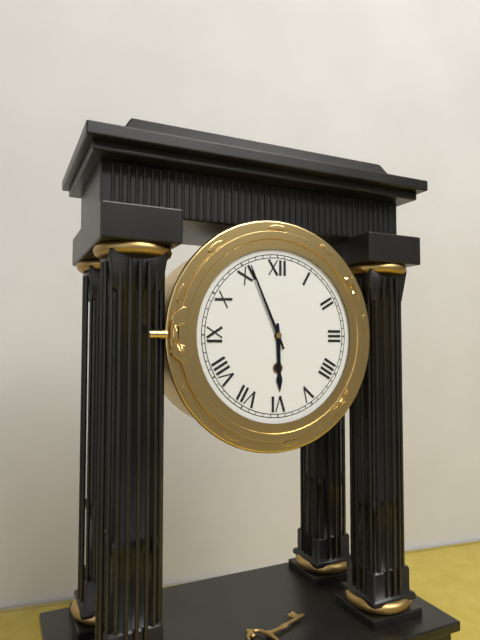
5.56
